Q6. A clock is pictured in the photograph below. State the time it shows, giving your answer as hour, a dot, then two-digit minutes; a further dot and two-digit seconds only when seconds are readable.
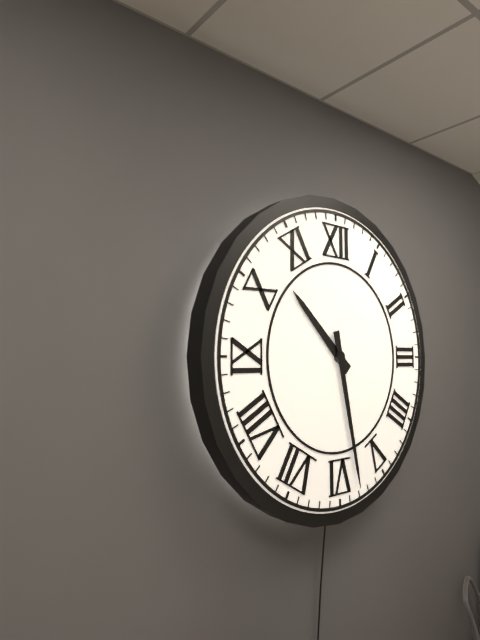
10.28
